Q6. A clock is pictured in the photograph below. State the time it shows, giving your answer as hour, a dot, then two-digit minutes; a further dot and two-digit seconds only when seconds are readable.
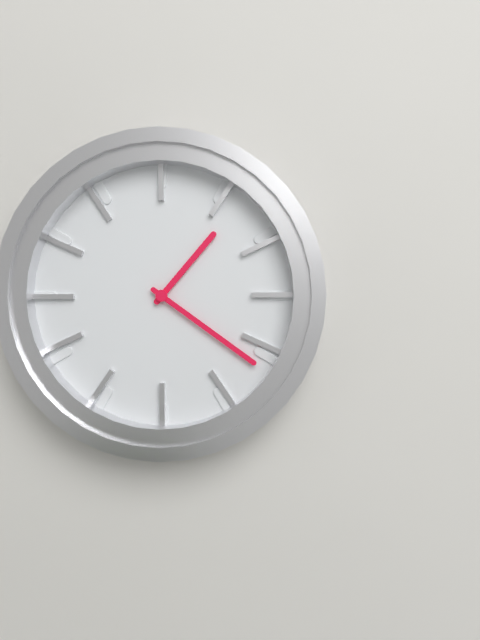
1.21
